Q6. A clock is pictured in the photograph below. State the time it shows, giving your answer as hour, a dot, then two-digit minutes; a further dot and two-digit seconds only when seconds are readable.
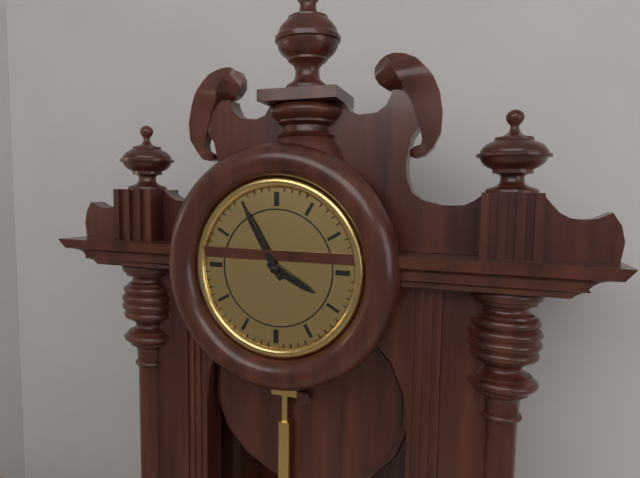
3.55
